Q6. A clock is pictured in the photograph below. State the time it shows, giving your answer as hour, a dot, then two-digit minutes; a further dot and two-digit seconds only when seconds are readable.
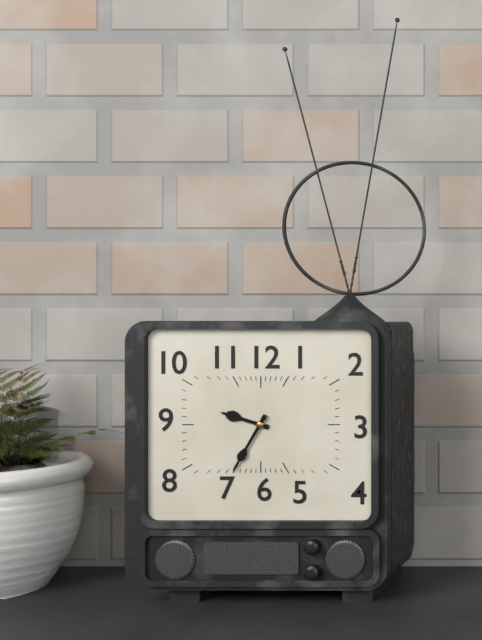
9.35
